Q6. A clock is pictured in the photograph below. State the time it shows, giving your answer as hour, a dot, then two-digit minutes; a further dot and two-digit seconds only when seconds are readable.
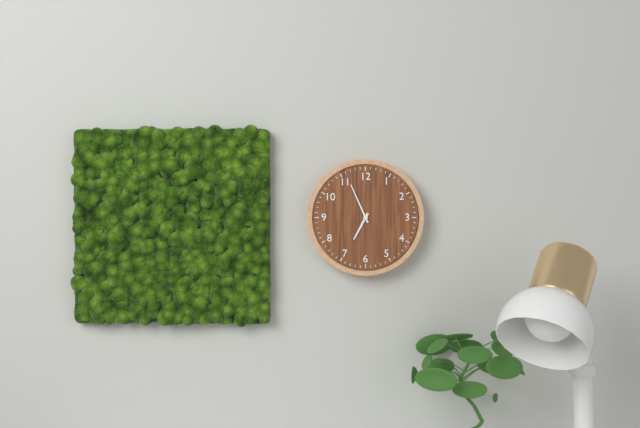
6.56
